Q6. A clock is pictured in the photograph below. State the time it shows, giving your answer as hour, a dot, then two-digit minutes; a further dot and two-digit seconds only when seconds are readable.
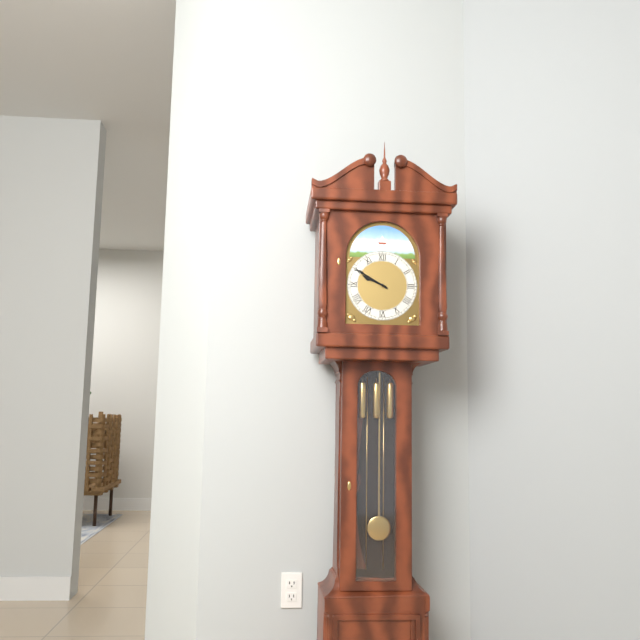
9.50
